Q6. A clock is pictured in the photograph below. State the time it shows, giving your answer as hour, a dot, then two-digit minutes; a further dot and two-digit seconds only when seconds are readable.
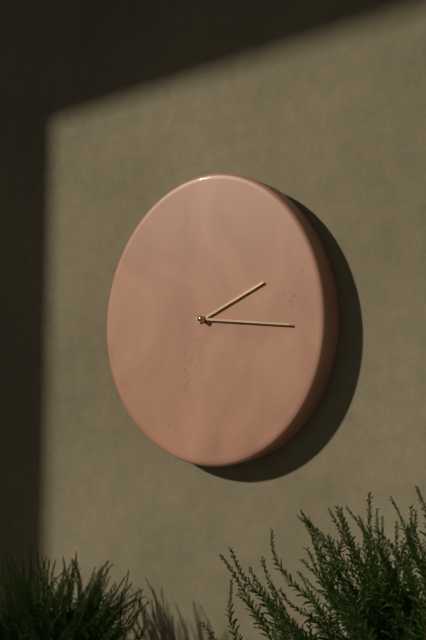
2.16
